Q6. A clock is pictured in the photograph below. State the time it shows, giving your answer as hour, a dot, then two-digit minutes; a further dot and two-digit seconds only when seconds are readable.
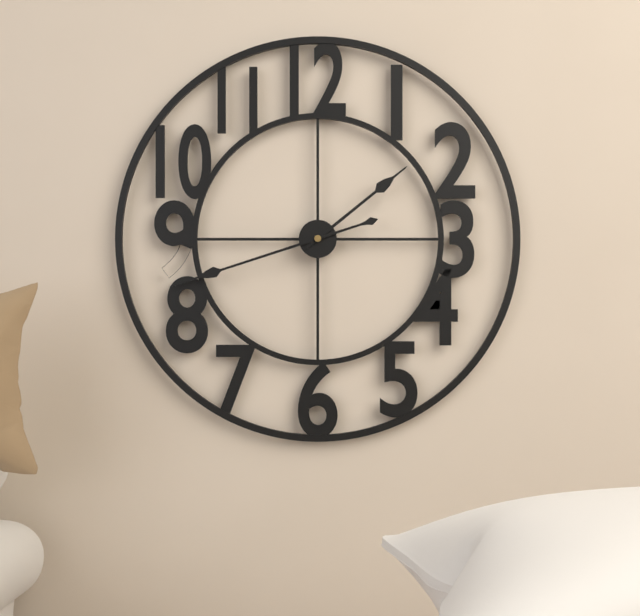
1.42
